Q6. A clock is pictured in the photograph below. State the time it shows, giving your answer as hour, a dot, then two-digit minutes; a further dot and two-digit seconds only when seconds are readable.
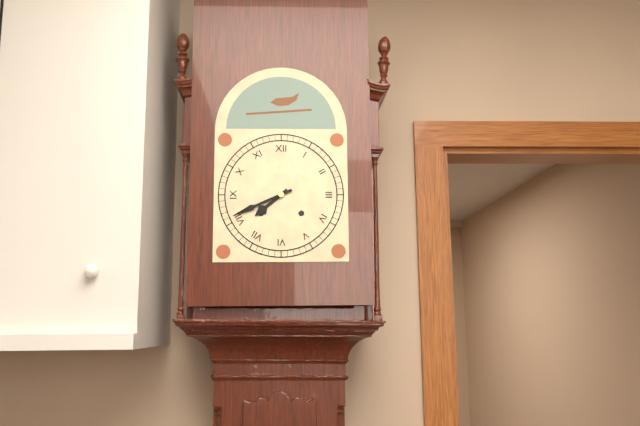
7.41
